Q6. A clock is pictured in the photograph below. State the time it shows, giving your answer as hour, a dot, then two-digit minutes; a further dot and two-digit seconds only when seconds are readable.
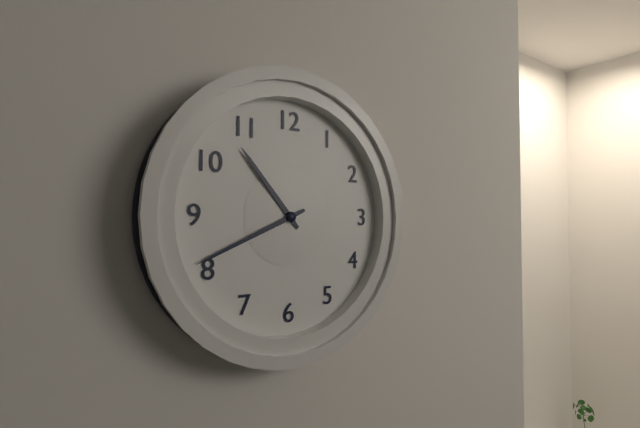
10.41
